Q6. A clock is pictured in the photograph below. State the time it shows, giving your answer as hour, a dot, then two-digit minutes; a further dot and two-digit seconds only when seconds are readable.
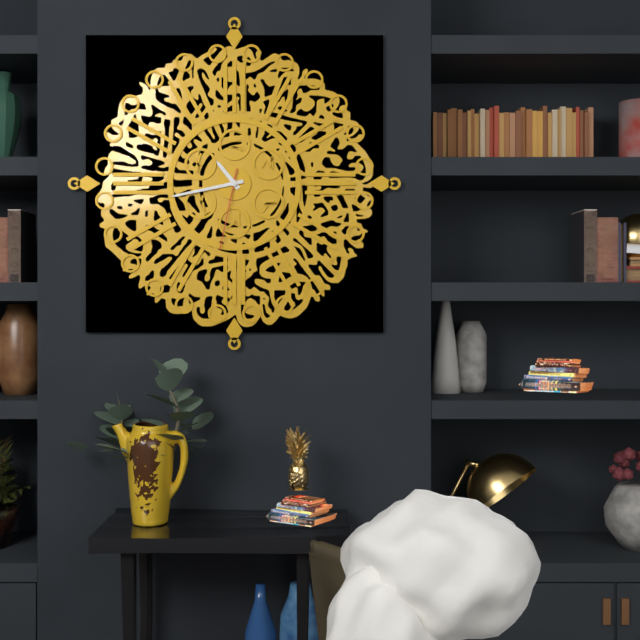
10.43.32
